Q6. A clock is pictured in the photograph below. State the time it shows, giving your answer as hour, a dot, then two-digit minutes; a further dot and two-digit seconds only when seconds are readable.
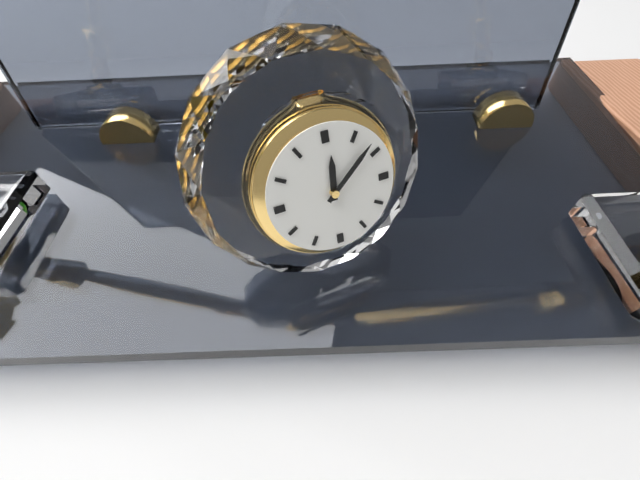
12.08
